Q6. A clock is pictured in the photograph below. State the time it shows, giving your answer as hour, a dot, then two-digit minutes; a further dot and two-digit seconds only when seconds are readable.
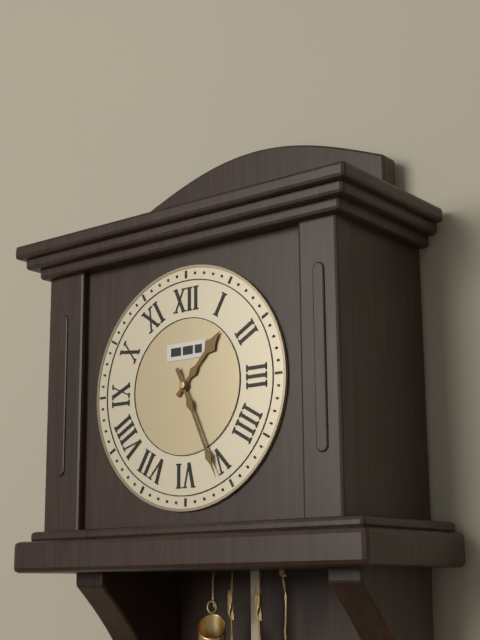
1.26
